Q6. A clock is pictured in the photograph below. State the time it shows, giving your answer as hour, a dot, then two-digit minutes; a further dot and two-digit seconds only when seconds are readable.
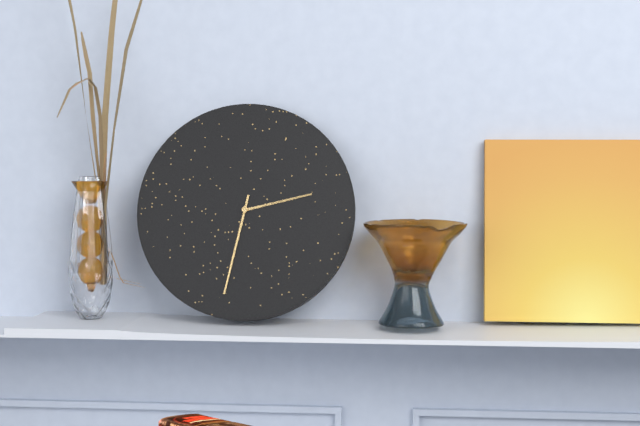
2.32
